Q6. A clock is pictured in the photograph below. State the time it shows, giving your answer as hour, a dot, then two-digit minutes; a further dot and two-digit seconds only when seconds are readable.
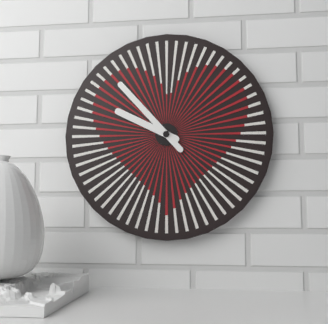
9.53
